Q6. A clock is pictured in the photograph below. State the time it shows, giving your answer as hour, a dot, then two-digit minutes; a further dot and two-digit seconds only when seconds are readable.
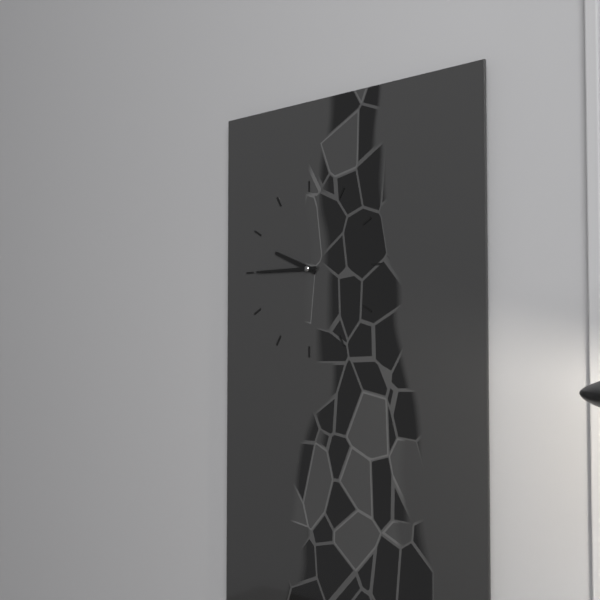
9.45
